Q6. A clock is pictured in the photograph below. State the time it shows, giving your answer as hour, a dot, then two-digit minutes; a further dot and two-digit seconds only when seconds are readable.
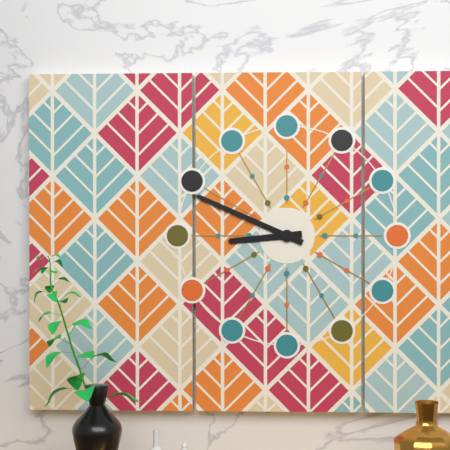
8.49
